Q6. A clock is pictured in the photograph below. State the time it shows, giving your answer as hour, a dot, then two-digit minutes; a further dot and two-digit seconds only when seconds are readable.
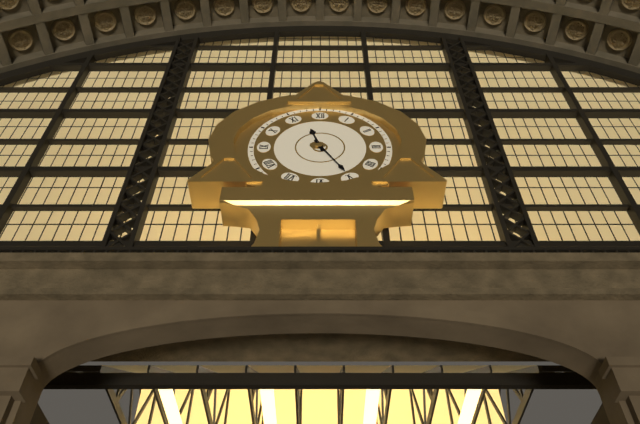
11.25
